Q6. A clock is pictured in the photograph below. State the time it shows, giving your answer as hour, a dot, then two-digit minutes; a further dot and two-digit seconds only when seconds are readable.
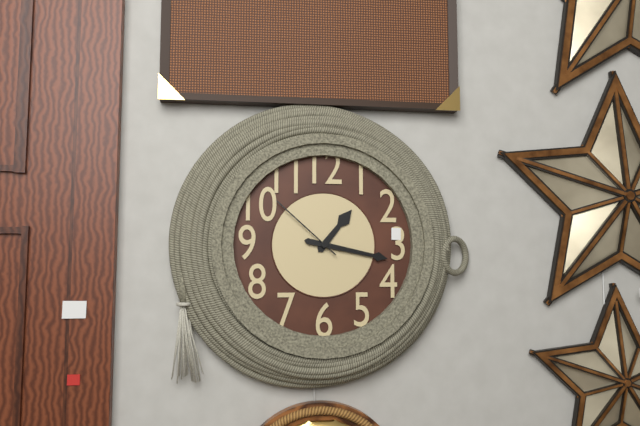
1.17.52
